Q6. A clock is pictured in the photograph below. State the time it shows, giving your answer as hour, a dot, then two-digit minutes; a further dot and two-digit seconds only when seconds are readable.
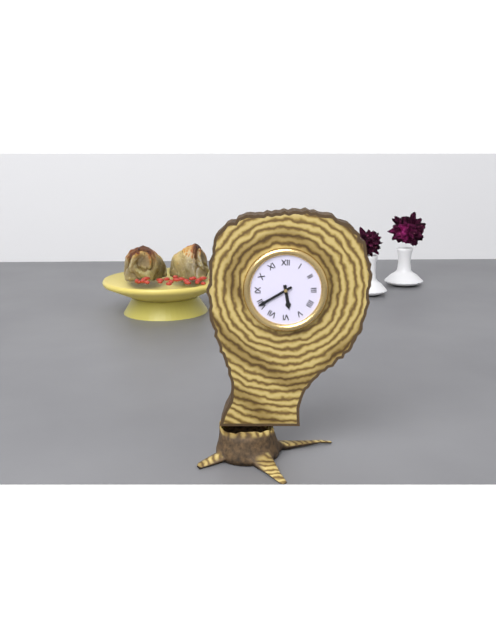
5.40
